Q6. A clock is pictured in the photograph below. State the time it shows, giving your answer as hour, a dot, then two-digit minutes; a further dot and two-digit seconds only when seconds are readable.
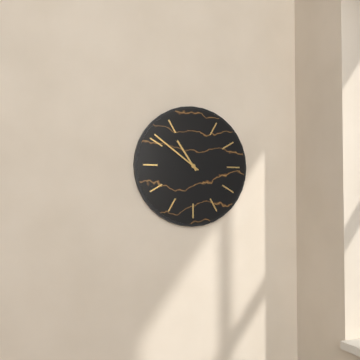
10.51
